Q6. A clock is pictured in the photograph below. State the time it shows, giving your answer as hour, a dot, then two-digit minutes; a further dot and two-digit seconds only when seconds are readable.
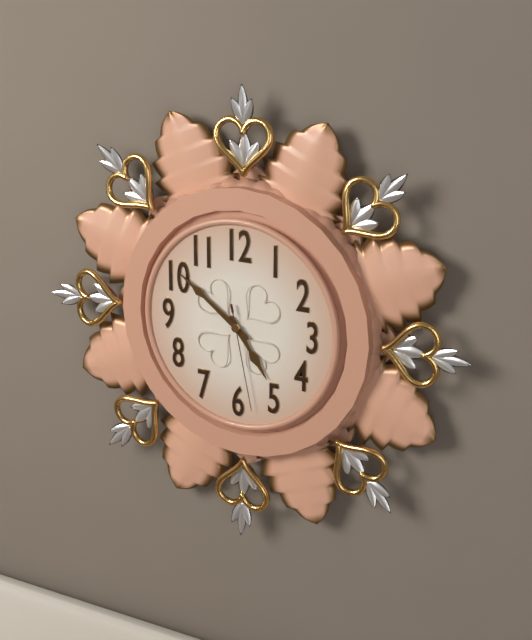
4.51.28
